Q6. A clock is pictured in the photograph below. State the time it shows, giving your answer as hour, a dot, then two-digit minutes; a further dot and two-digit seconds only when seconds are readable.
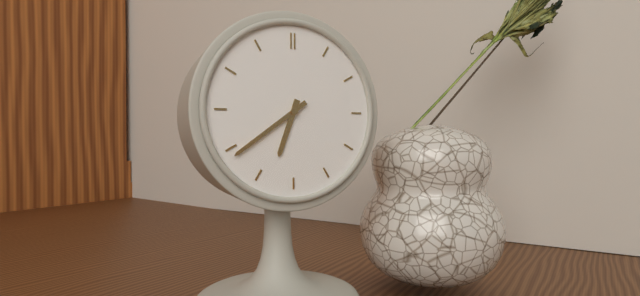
6.39
